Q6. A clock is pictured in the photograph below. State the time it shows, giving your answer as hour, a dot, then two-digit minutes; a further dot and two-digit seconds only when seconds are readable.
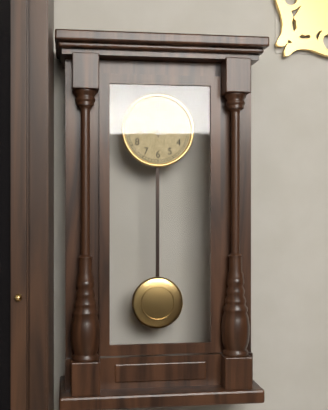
9.00
